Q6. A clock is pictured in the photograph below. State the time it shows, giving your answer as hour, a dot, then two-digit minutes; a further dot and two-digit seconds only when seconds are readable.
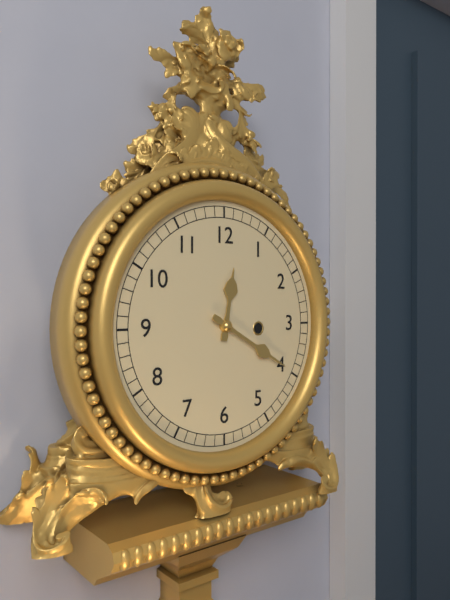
12.20
